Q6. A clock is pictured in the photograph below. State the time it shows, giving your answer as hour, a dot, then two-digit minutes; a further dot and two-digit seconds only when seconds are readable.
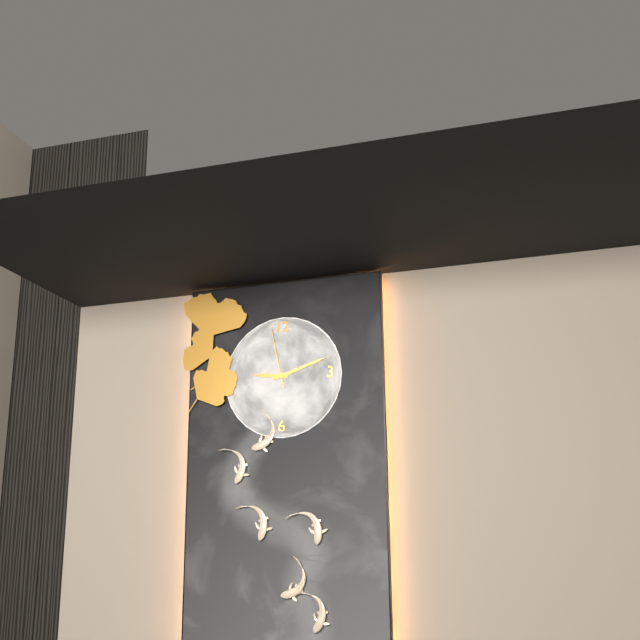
9.12.58
